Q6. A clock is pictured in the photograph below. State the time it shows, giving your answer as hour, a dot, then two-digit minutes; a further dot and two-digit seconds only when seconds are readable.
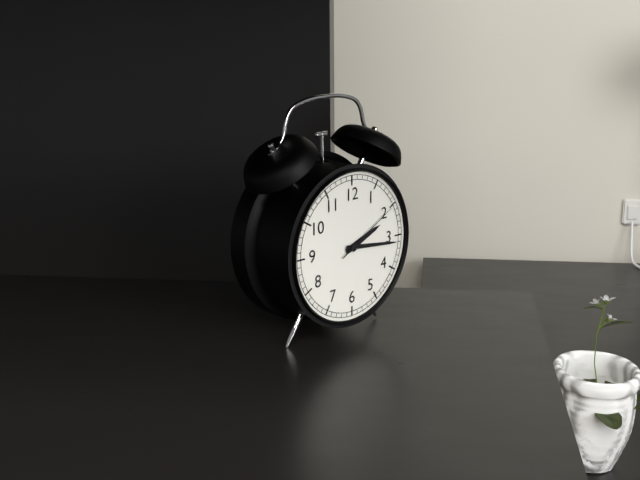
2.16.10
